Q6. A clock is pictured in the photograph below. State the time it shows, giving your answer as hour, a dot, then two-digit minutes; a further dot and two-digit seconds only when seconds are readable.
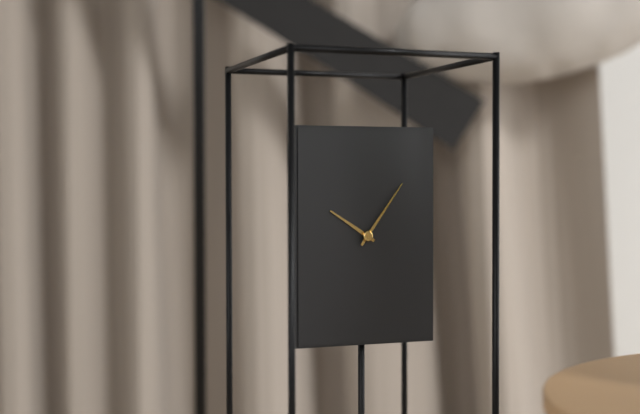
10.06
